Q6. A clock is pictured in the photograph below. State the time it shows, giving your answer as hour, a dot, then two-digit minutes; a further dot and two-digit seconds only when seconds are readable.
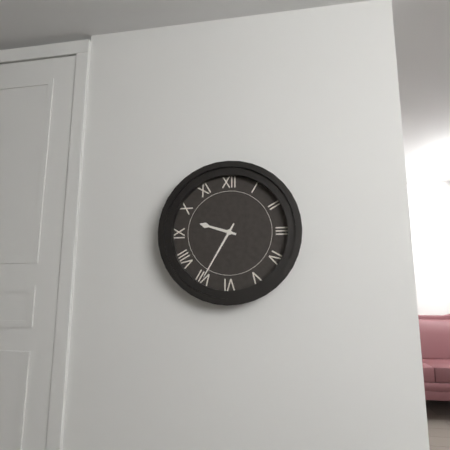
9.35
